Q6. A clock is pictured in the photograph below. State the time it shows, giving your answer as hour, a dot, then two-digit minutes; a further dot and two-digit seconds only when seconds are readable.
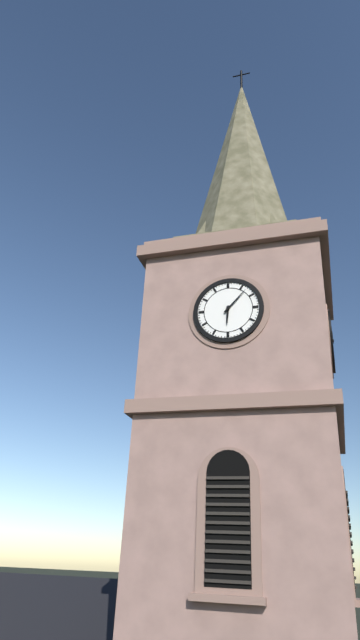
6.07
